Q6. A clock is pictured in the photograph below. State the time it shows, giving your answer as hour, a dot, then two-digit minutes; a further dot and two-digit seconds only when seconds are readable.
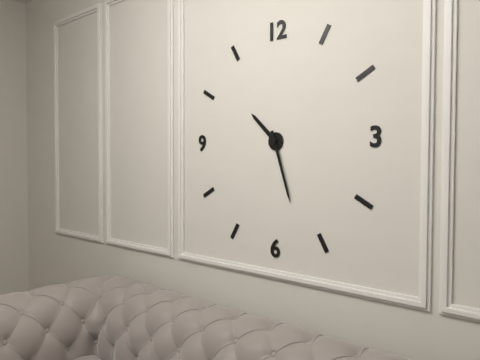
10.27
